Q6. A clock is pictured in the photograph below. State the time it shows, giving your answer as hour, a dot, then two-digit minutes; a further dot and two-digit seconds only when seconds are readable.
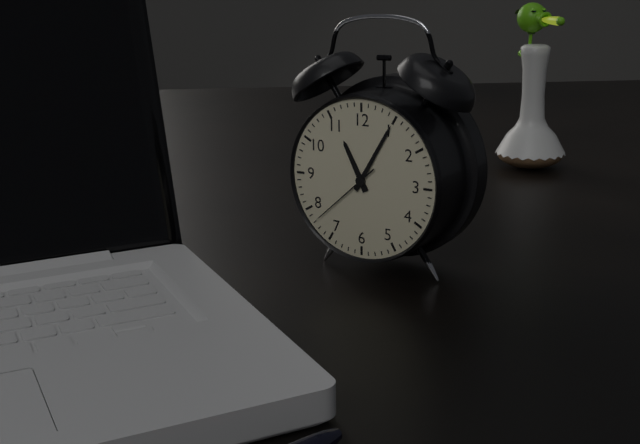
11.05.38
